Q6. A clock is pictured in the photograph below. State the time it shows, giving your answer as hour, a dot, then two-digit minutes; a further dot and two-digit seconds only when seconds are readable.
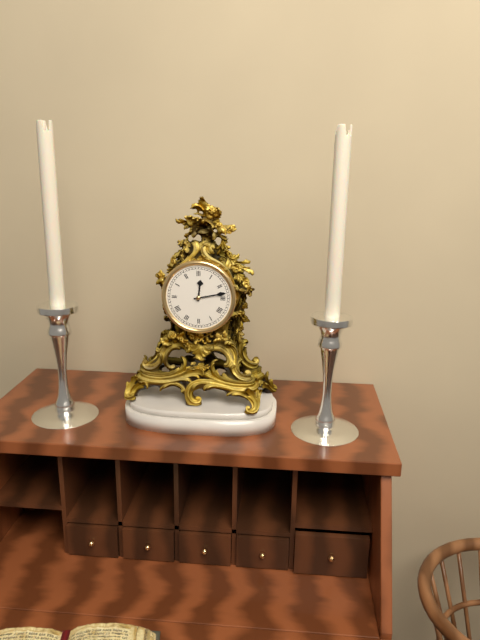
12.13
